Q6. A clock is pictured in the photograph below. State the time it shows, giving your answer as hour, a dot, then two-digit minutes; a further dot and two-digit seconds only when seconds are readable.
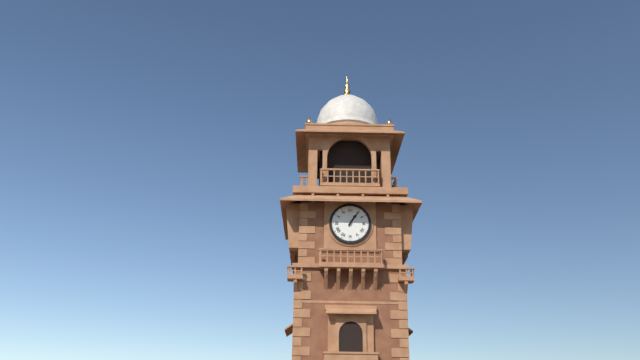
1.06
